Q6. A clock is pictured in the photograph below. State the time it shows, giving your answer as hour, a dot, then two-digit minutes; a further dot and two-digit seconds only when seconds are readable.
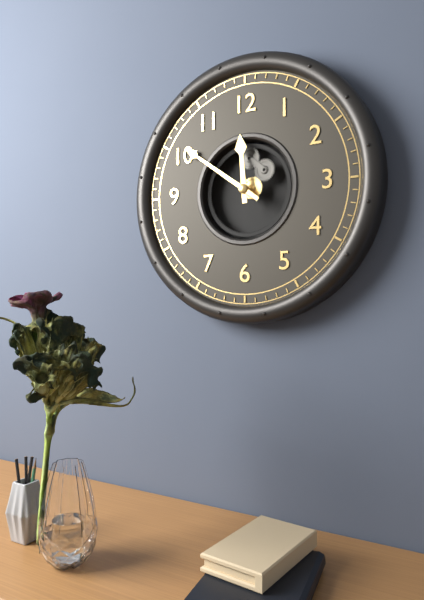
11.51
